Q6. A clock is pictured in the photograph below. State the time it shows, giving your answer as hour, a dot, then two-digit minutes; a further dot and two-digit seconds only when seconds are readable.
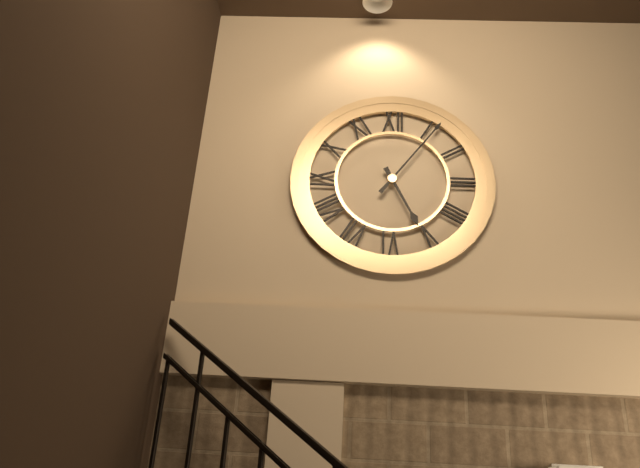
5.06
